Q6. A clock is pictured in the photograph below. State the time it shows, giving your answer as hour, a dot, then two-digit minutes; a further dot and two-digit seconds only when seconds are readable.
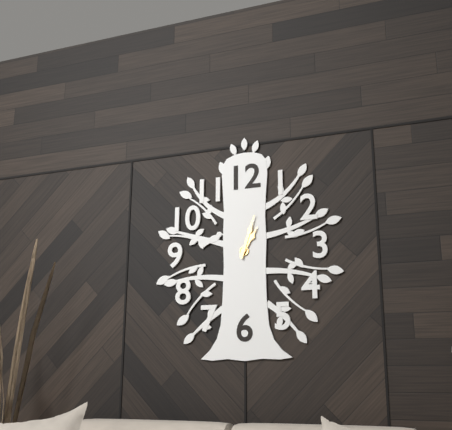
1.03
